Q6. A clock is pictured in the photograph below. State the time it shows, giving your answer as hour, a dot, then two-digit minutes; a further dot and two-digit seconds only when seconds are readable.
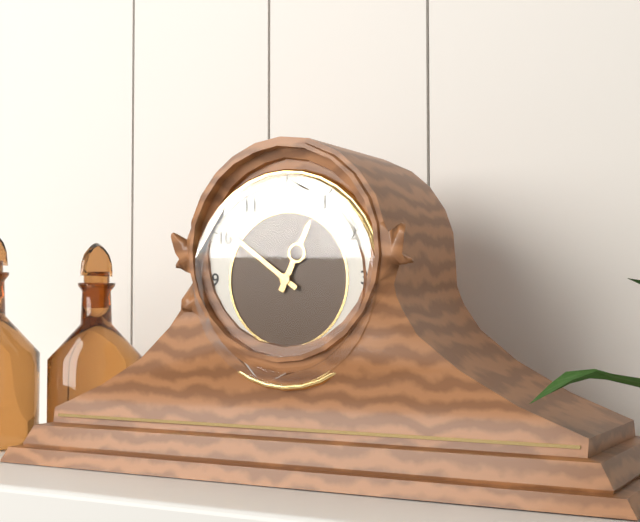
12.51
